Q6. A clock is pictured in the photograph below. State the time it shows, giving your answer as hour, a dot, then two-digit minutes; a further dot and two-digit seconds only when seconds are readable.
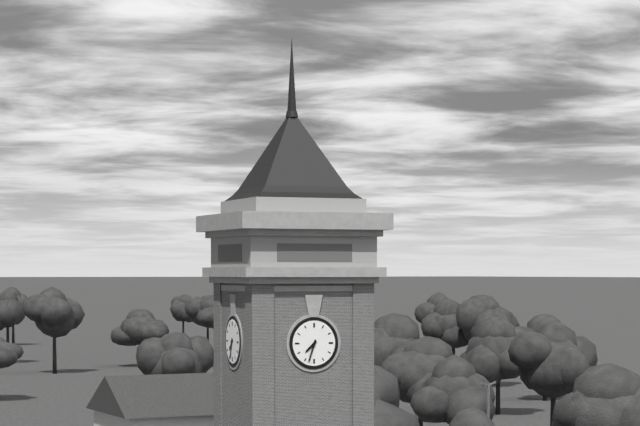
7.33
